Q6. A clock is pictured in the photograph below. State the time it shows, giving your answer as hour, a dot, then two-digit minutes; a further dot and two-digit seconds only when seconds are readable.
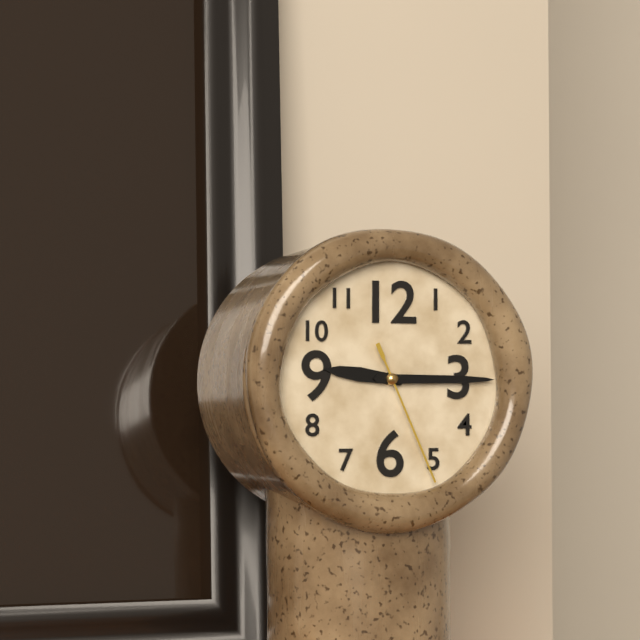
9.15.26
